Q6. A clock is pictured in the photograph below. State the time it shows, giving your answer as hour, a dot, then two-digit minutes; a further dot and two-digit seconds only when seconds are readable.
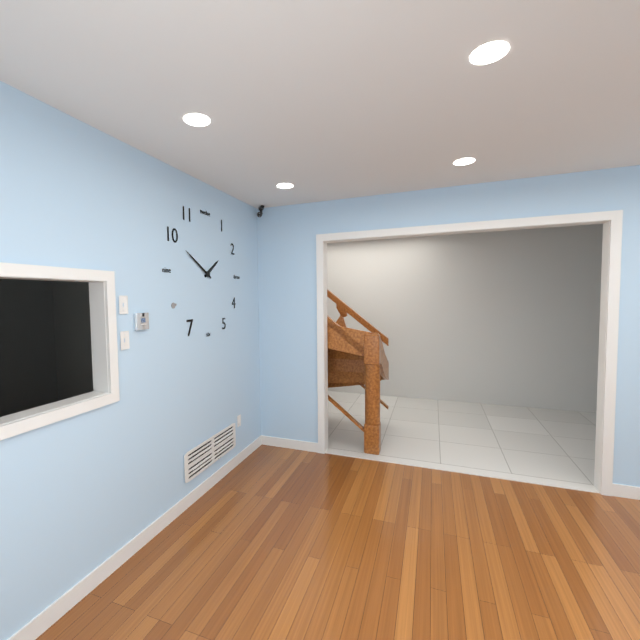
1.50
